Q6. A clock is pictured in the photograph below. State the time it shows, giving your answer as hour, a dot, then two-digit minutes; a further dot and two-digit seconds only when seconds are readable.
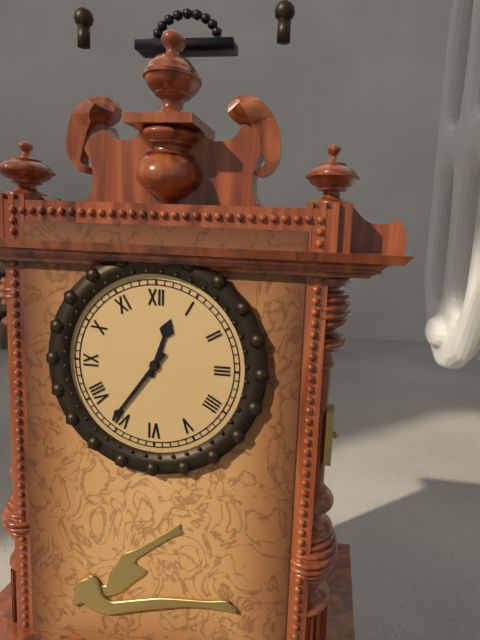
12.36
